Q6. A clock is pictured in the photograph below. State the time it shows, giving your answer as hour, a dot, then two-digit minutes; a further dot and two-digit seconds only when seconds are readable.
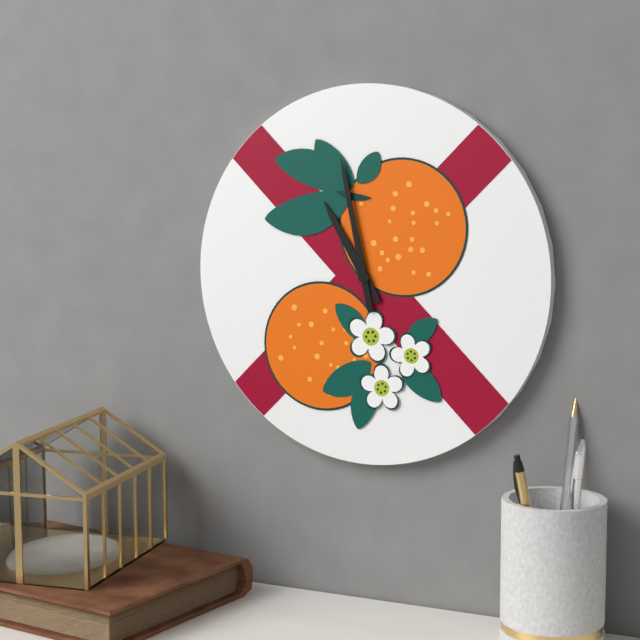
10.58
